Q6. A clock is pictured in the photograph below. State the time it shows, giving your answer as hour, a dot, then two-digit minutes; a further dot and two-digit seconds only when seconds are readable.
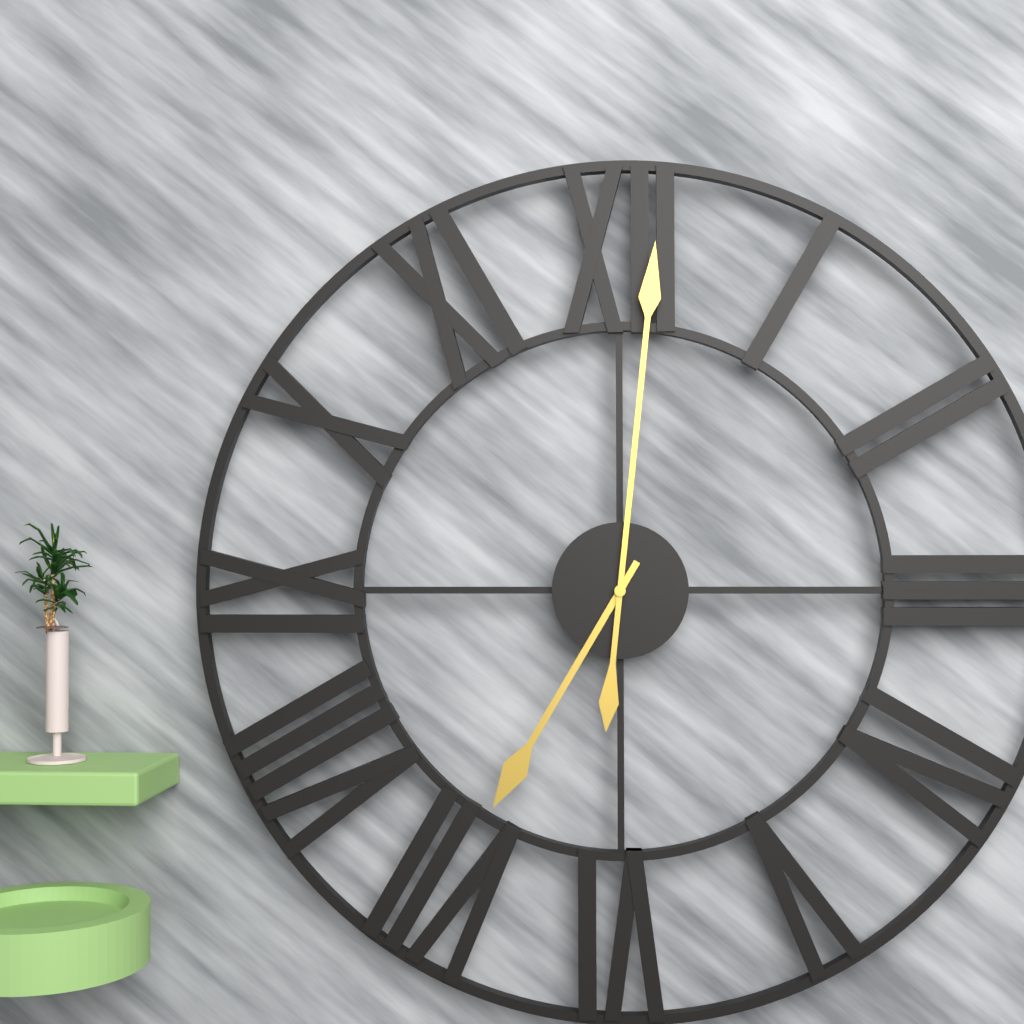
7.01
